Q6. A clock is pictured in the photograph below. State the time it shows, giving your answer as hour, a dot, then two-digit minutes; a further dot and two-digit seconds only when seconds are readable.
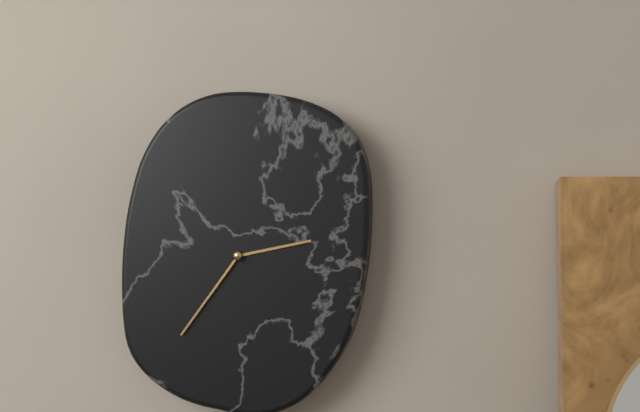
2.36
